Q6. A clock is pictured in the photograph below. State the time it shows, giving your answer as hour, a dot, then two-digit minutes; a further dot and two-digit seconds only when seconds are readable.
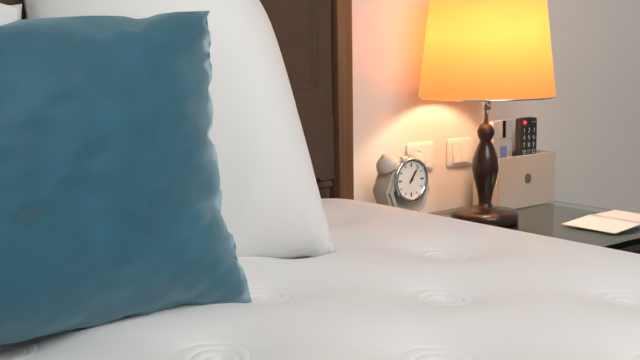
1.06
